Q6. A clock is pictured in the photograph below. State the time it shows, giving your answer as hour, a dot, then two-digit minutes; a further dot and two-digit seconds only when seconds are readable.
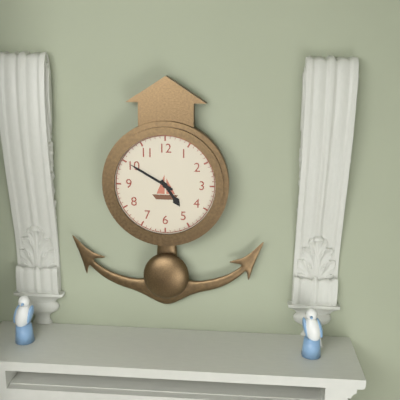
4.50
